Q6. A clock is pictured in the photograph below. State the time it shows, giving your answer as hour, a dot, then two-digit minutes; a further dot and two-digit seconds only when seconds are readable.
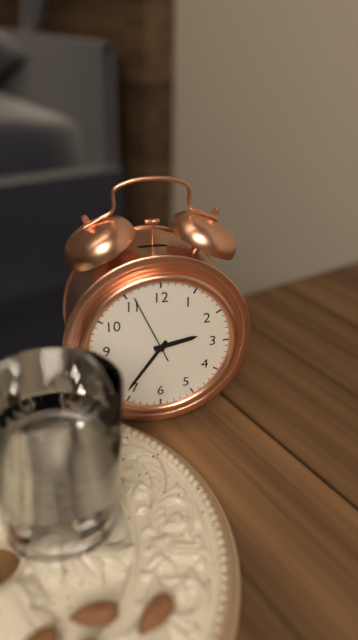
2.36.56
